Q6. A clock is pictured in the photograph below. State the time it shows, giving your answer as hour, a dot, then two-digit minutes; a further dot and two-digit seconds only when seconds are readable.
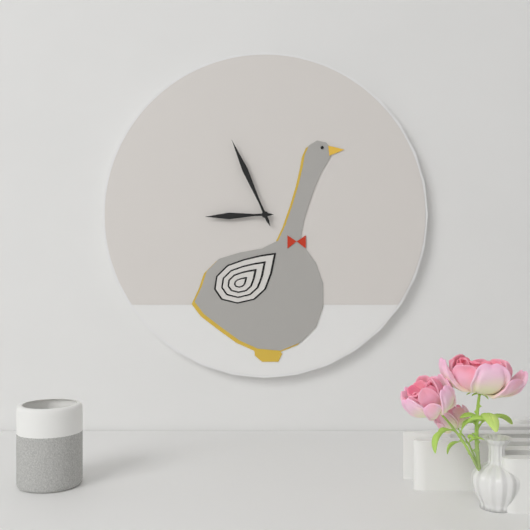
8.56
